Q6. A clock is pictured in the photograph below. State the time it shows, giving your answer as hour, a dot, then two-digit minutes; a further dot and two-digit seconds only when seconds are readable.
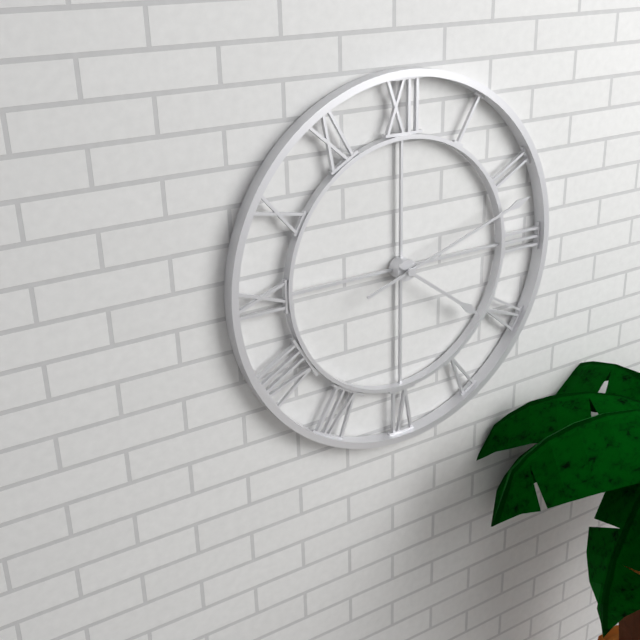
4.12
